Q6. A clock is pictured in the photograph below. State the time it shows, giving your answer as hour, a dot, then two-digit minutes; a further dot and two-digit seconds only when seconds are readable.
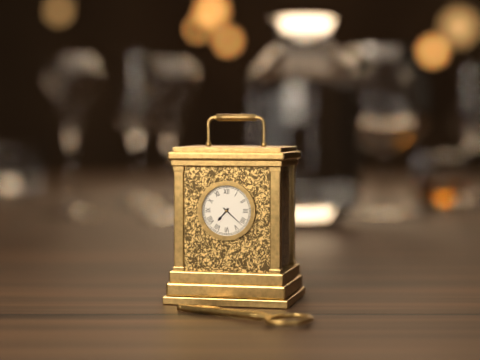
7.22
